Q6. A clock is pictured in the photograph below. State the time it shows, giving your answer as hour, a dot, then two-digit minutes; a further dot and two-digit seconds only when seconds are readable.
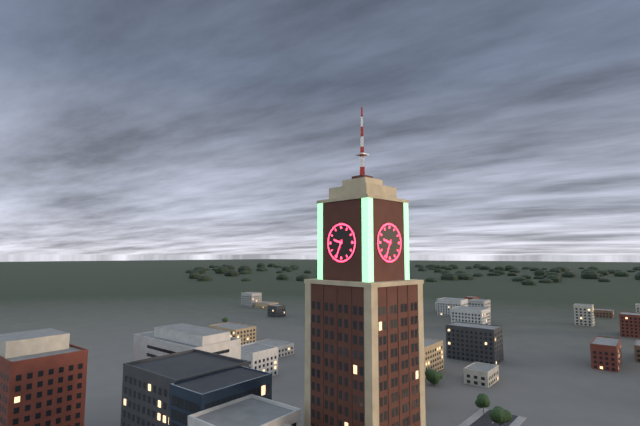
9.34
